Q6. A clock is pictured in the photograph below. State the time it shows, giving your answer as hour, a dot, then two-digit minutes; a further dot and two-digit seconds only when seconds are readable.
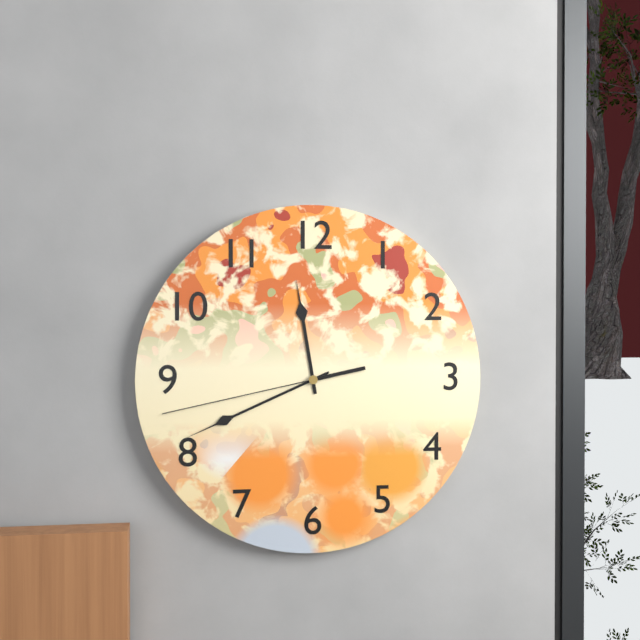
11.41.43
